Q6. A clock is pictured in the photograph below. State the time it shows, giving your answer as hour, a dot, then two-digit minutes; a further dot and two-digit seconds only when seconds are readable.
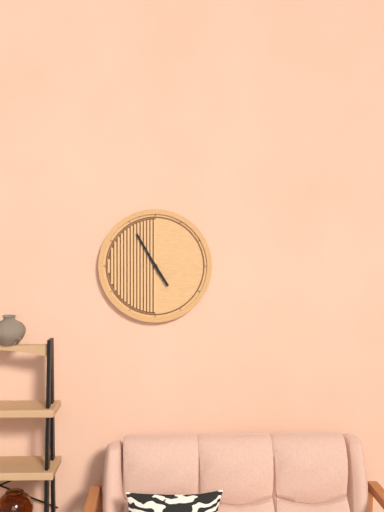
4.55
